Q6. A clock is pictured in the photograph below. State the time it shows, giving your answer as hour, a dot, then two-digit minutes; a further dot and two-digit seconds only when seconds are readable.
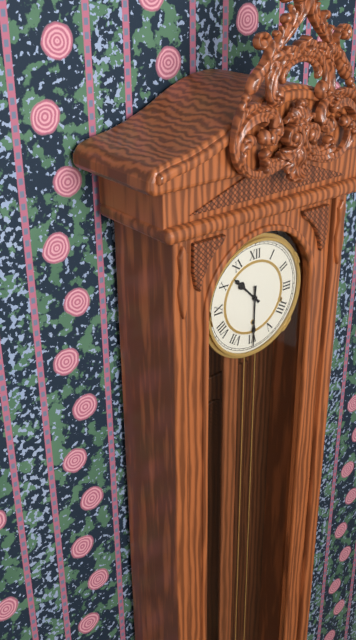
10.30
